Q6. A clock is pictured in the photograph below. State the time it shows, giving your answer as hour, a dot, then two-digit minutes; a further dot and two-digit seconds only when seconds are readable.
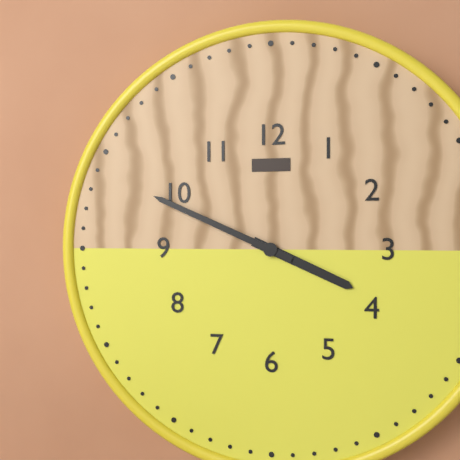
3.49
